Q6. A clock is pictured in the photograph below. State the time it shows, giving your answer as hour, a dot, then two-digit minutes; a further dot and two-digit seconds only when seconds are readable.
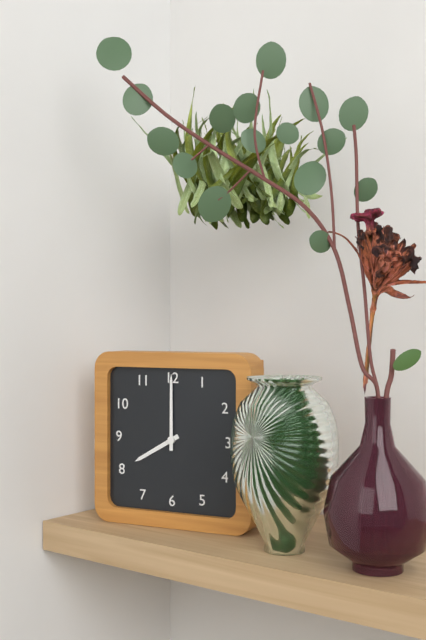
8.00
